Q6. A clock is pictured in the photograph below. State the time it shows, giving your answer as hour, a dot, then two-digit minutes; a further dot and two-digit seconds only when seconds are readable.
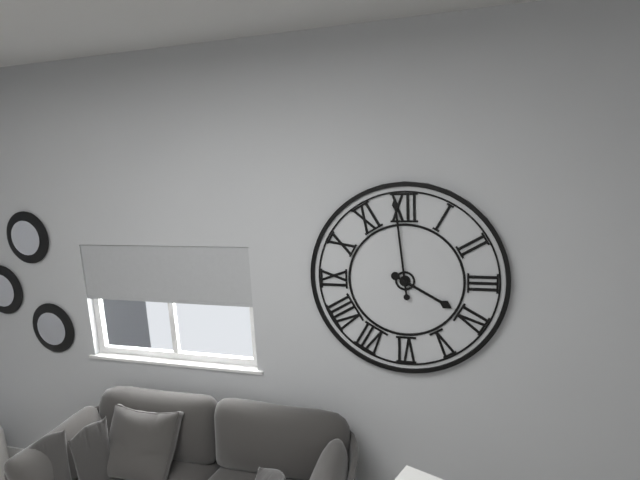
3.59
